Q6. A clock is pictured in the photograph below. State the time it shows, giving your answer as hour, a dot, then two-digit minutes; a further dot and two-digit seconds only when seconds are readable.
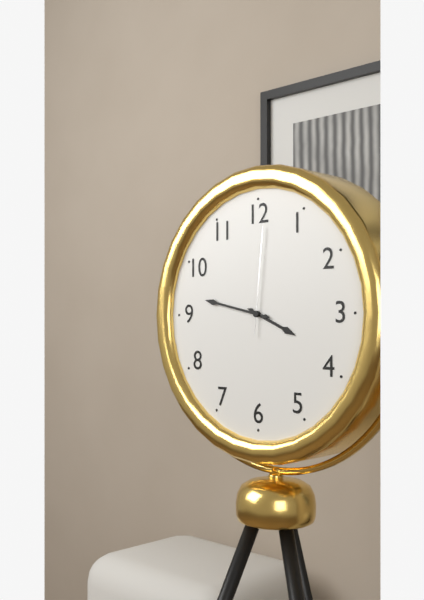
3.47.01
